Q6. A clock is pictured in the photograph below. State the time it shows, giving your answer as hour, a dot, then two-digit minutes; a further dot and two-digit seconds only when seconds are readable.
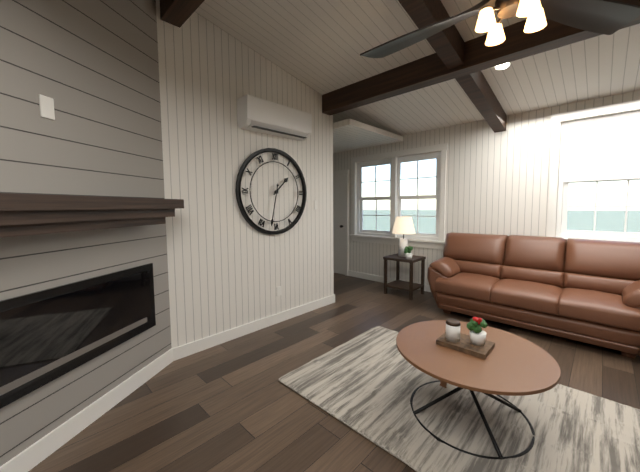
1.32
